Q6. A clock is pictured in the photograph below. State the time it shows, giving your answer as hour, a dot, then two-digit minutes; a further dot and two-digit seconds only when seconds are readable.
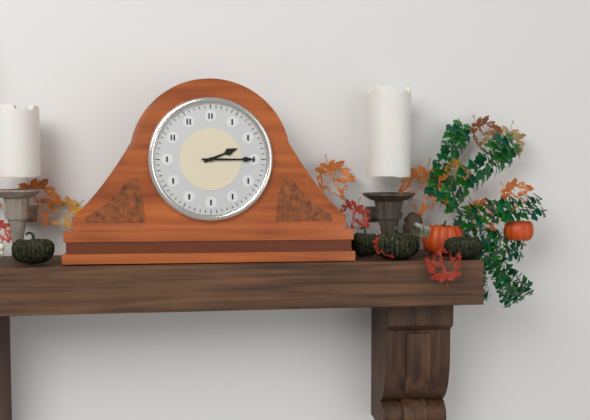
2.15
